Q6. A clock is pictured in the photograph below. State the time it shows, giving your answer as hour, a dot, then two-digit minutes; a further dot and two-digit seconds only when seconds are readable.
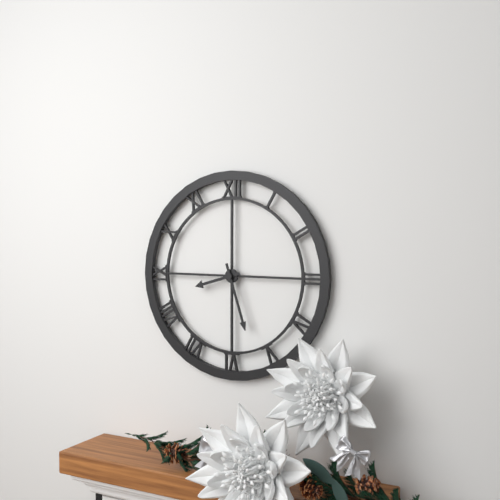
8.27
